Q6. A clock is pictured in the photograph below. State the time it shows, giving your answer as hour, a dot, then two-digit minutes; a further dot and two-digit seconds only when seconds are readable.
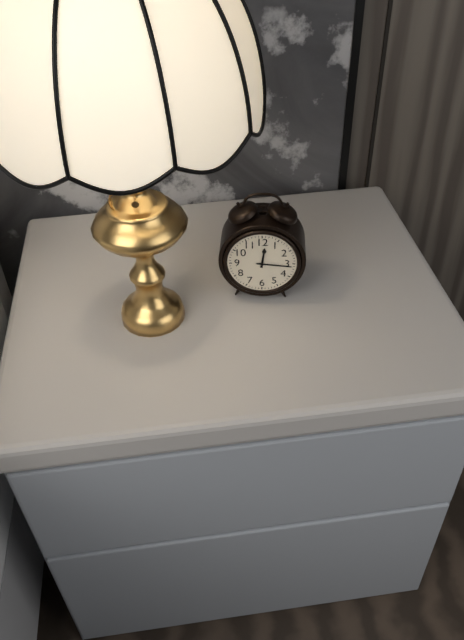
12.16
